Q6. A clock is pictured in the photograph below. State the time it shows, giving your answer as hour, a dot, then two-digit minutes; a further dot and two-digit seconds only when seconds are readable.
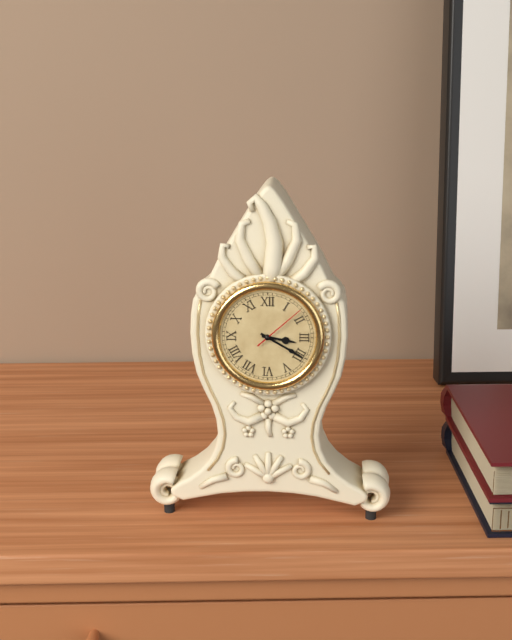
3.20.08
